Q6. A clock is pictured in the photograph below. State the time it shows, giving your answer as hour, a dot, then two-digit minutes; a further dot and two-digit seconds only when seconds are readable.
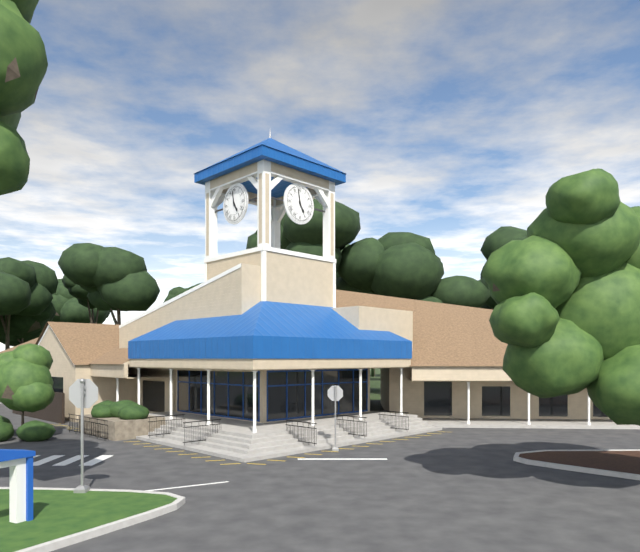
4.58
